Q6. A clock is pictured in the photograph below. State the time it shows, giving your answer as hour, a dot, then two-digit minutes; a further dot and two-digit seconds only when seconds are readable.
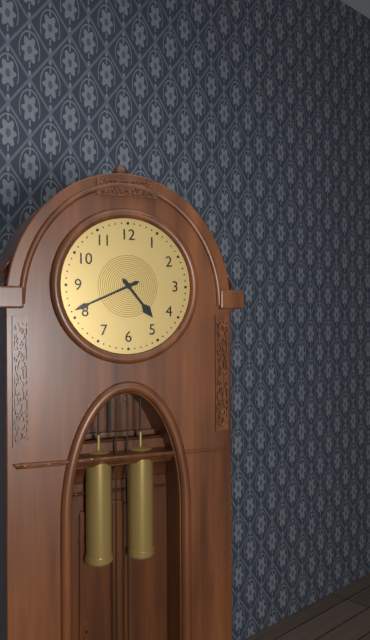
4.41
